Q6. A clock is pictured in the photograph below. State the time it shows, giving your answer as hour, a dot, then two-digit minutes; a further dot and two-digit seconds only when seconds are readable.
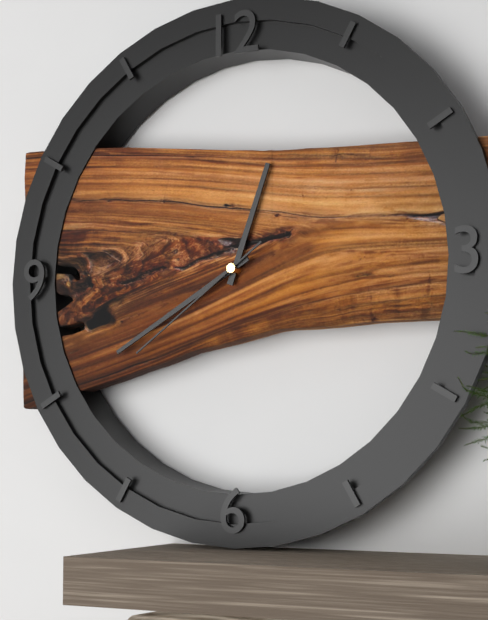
12.40.39
